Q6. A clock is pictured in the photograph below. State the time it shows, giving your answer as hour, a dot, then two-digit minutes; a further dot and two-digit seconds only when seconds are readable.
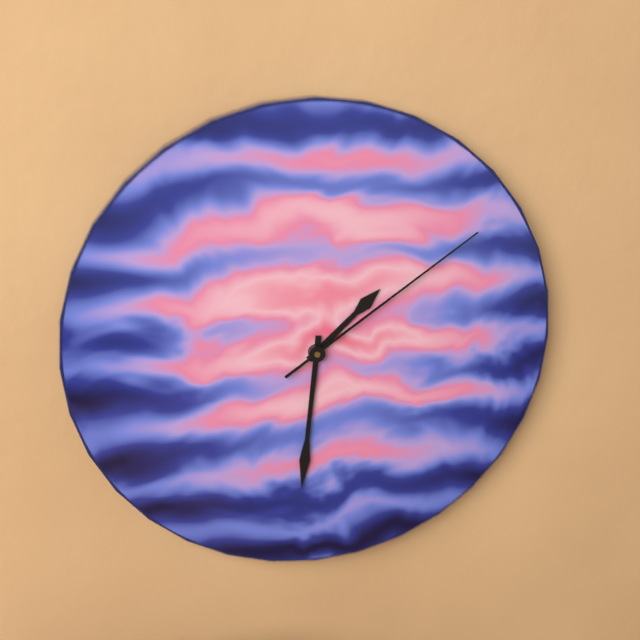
1.31.09
